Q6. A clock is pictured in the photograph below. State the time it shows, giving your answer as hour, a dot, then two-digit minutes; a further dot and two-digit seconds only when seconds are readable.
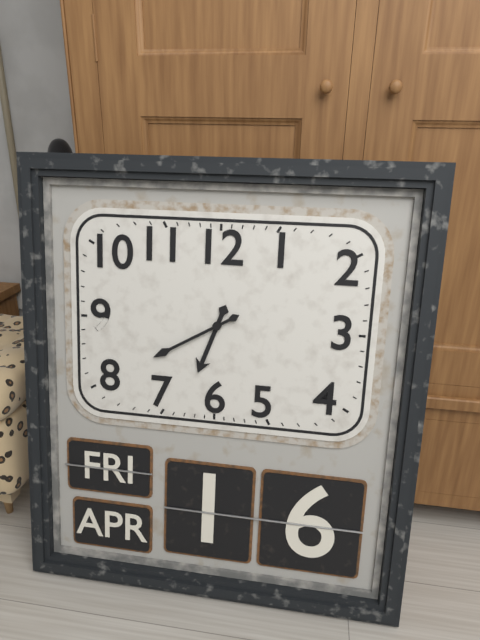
6.40
